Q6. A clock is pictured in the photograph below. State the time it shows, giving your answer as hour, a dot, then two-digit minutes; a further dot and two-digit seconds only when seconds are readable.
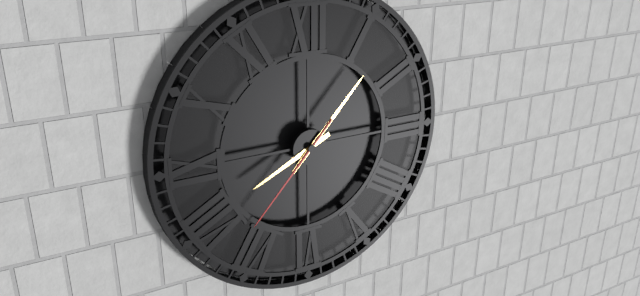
8.07.37
